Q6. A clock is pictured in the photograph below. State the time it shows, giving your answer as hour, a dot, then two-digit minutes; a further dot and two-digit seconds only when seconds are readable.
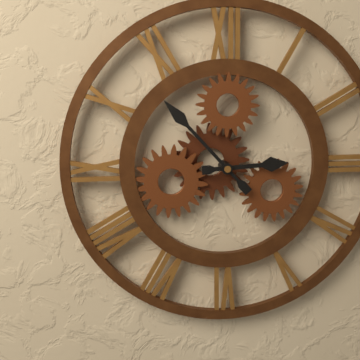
2.53
